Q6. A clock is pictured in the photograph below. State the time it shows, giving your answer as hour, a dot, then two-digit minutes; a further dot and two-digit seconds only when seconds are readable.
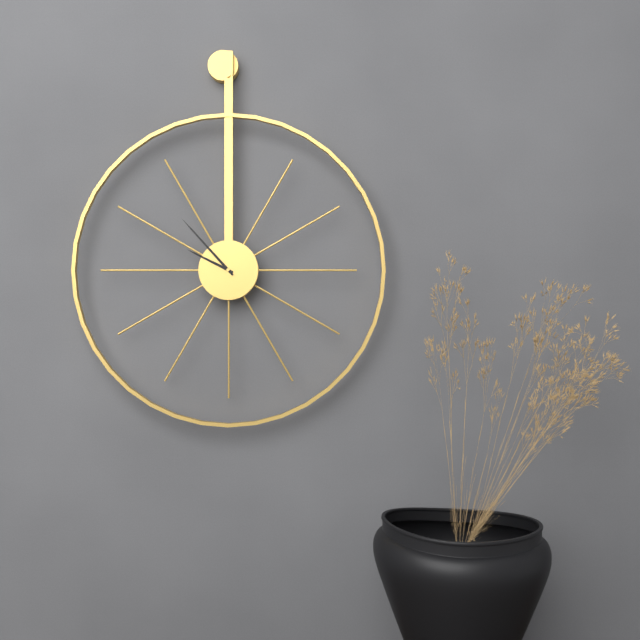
9.53
